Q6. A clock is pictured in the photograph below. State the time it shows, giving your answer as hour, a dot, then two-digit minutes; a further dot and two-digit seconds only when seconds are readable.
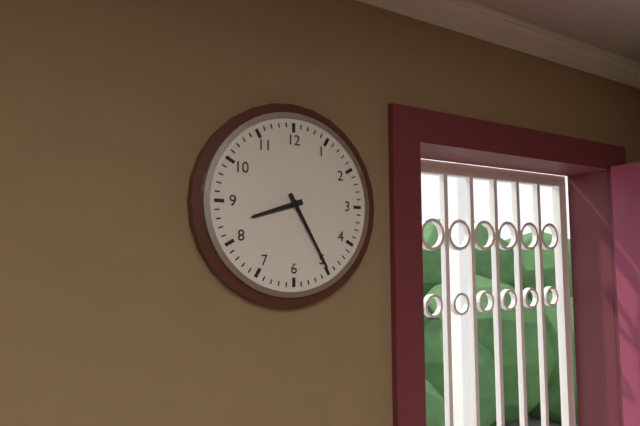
8.25
